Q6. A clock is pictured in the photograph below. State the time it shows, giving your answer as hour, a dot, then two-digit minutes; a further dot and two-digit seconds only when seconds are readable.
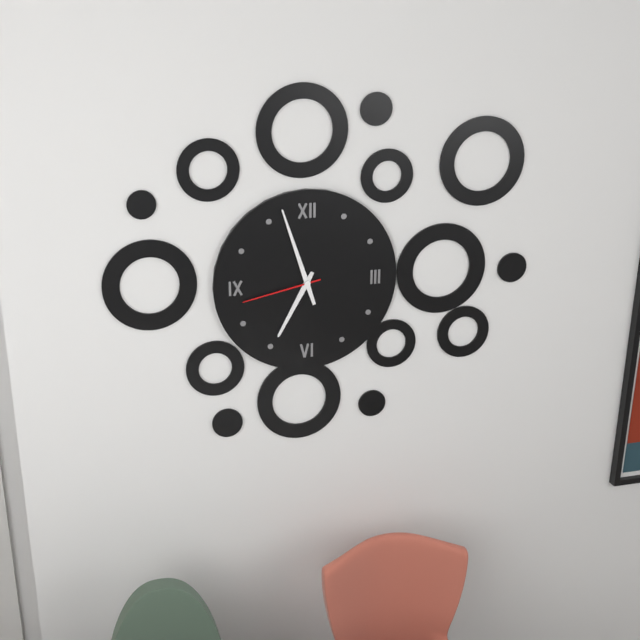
6.57.43
